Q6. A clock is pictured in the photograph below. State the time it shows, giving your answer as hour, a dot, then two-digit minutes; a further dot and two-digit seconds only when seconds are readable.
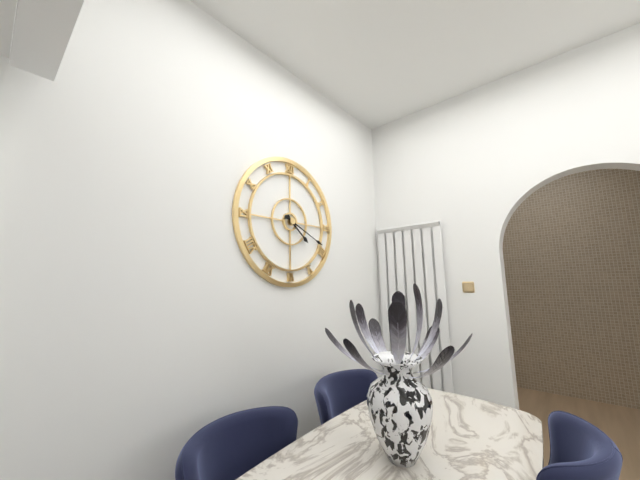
4.19
